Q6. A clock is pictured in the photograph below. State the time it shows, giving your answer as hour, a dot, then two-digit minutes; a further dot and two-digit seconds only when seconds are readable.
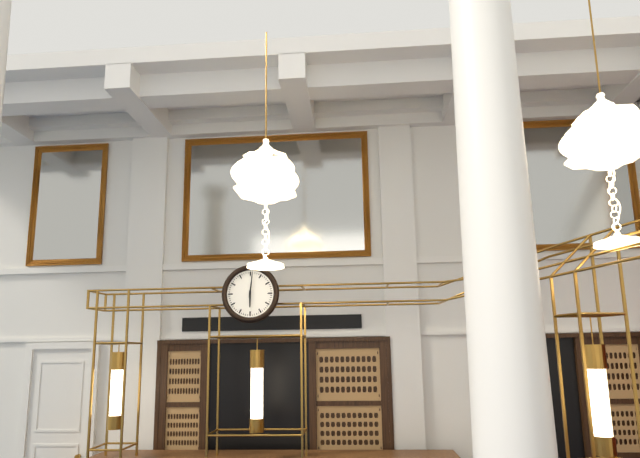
6.01
